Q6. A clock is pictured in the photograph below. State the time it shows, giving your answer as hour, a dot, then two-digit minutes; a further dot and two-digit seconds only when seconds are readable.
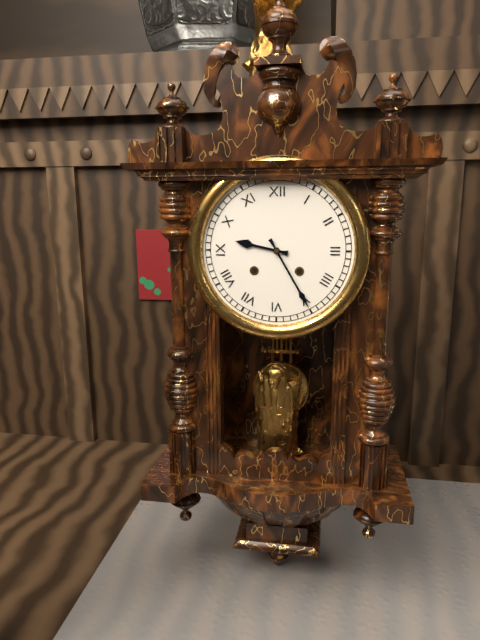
9.25
